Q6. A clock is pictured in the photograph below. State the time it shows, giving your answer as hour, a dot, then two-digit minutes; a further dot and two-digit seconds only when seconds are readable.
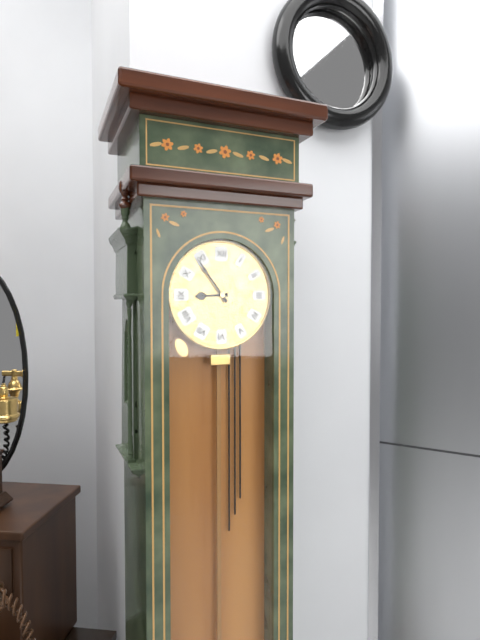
8.54
